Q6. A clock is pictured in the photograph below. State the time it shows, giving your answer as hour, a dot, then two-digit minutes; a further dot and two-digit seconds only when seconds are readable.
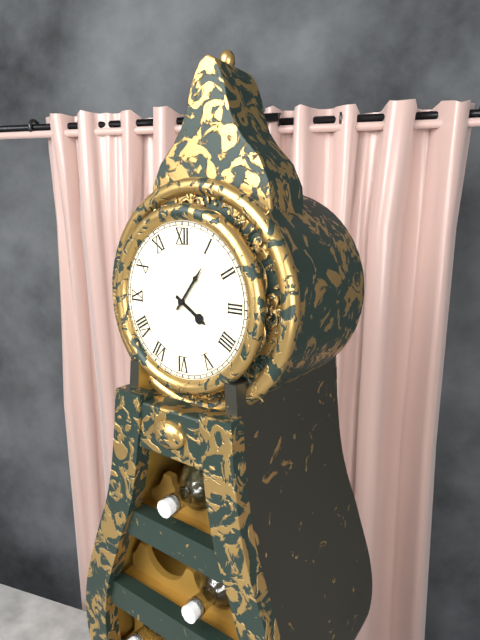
4.06
